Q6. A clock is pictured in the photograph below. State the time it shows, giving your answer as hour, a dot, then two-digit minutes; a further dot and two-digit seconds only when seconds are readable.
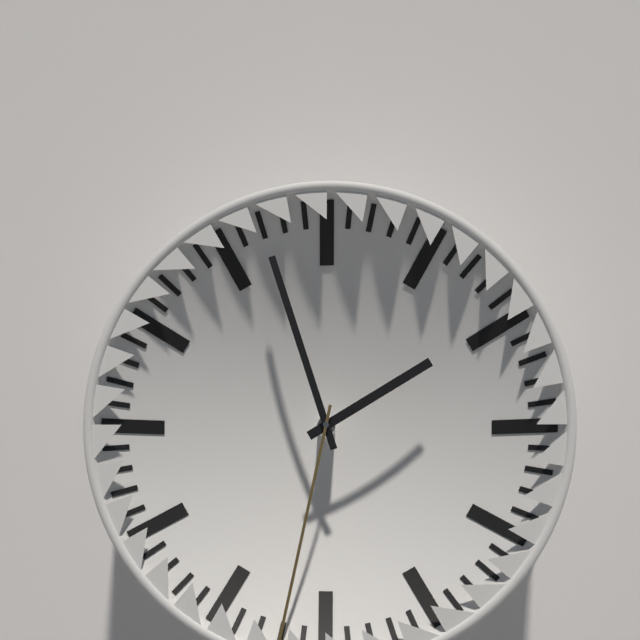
1.57
